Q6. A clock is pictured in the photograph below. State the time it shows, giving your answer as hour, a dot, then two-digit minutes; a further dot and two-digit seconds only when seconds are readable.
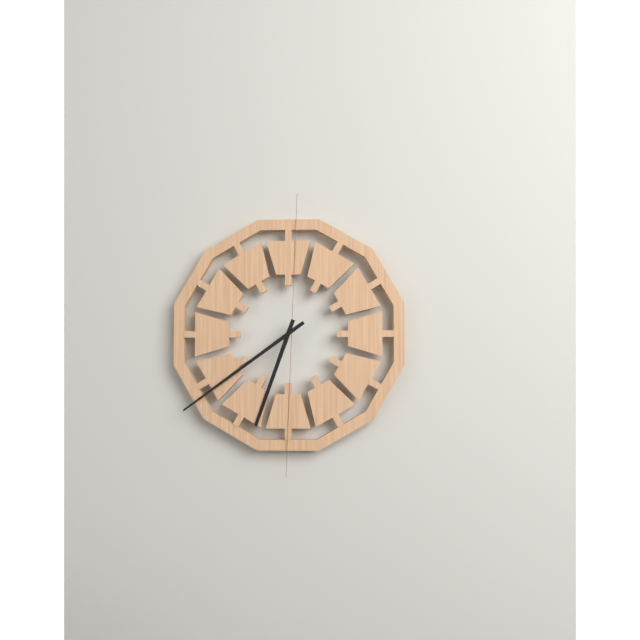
6.39
